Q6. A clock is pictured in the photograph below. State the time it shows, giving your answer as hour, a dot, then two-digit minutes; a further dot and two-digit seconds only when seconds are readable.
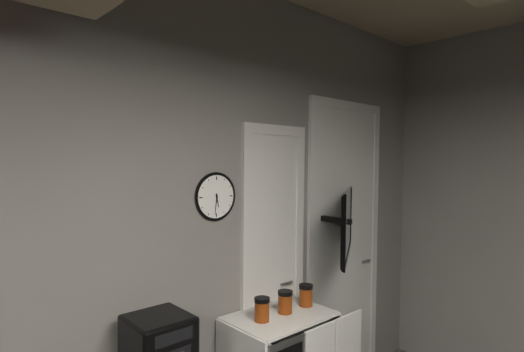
5.31
